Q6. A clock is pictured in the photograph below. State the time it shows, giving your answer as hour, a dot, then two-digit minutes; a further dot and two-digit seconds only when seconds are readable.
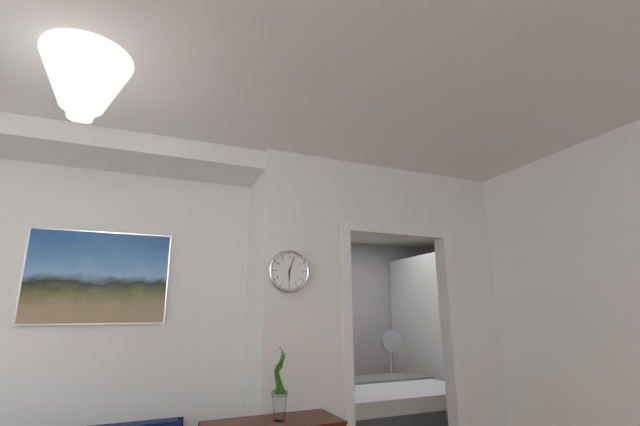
6.03
